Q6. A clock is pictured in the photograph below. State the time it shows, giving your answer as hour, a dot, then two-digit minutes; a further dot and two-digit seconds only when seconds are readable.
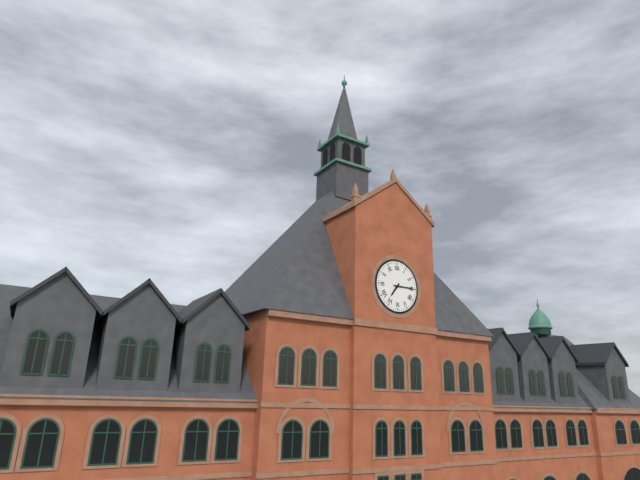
7.15
